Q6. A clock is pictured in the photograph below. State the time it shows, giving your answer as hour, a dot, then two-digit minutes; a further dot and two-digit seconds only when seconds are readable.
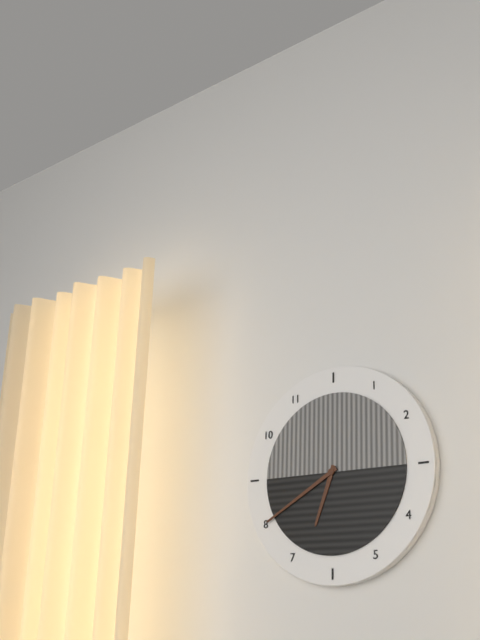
6.40
